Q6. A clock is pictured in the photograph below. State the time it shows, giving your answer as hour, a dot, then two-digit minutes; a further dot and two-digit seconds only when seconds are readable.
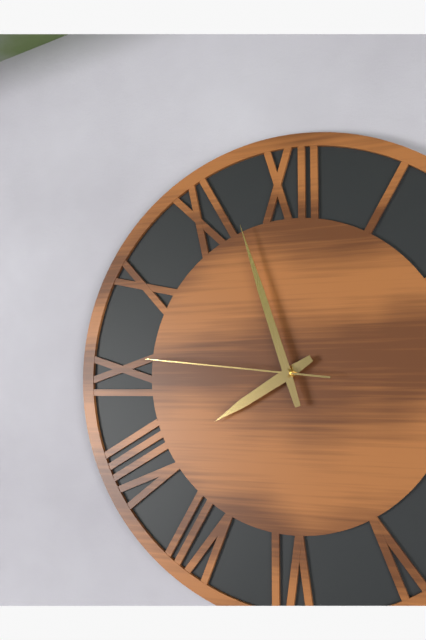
7.57.46
